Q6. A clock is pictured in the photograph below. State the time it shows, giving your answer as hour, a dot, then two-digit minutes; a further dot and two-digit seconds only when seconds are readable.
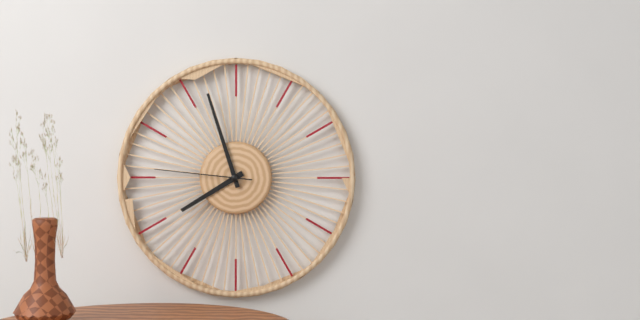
7.57.46
